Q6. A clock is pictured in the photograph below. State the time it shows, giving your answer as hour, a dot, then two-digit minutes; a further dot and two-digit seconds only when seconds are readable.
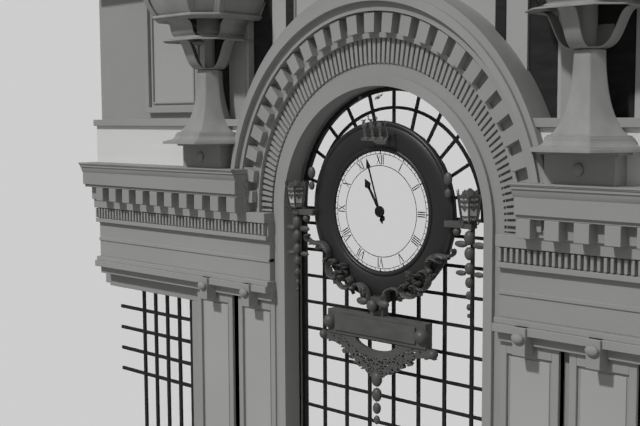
10.57
